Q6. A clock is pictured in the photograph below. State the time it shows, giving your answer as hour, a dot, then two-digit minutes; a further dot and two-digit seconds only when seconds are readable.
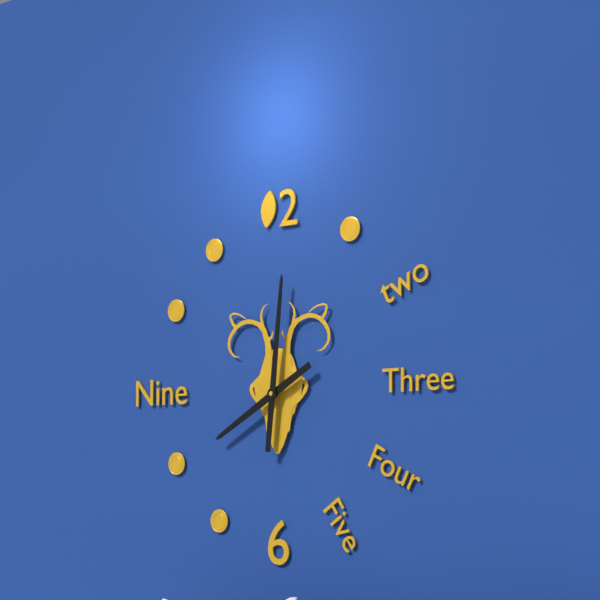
8.01
